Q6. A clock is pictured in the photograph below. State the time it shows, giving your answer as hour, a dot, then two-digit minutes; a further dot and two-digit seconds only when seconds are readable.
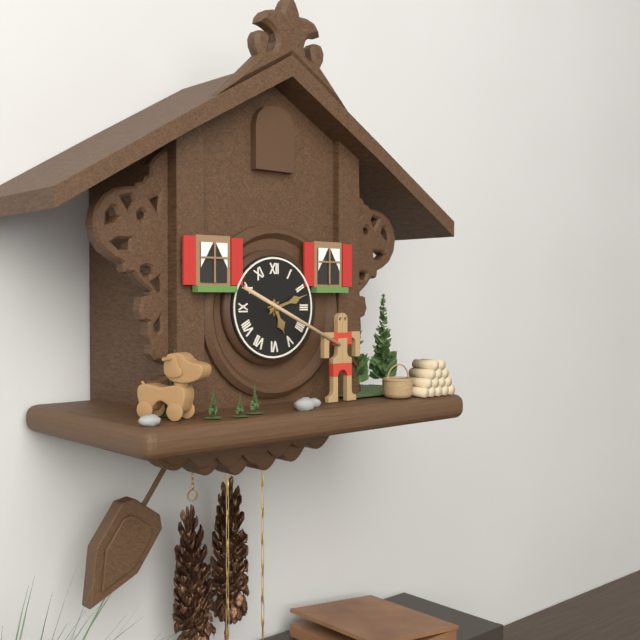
5.12
